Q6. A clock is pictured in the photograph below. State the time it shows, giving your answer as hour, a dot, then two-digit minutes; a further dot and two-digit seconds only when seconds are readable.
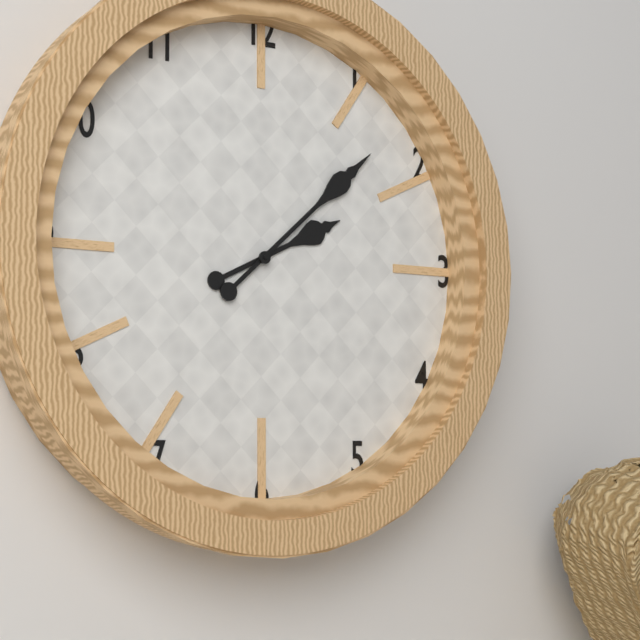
2.08
